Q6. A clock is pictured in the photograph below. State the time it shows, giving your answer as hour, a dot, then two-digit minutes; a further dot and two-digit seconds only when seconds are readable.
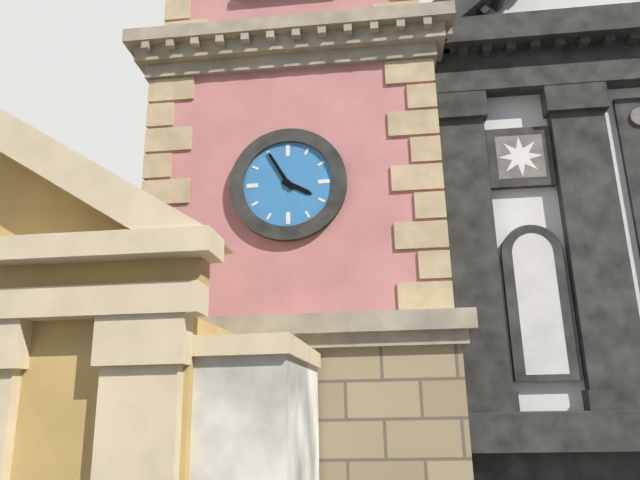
3.55
